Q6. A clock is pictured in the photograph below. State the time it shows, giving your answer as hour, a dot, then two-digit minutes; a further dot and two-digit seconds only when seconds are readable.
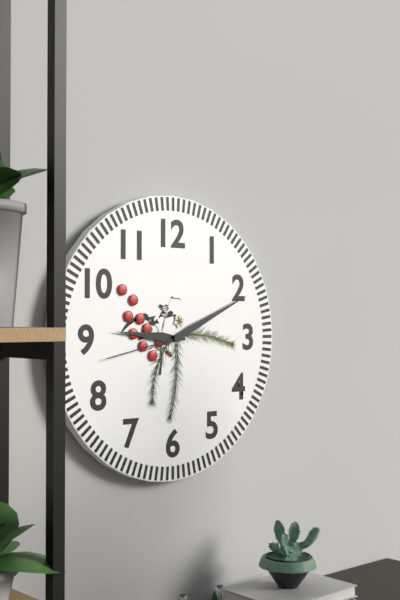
9.11.43
